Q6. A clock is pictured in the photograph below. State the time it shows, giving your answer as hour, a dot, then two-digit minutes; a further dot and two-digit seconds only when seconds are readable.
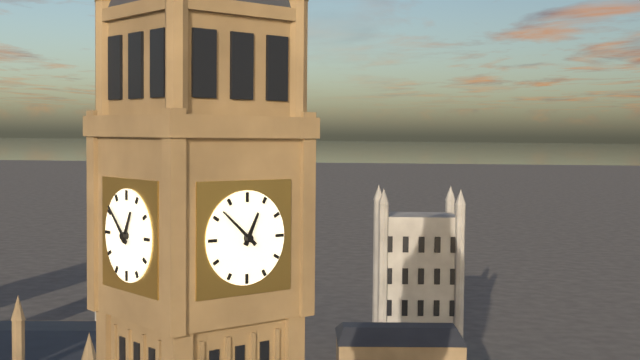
12.52
